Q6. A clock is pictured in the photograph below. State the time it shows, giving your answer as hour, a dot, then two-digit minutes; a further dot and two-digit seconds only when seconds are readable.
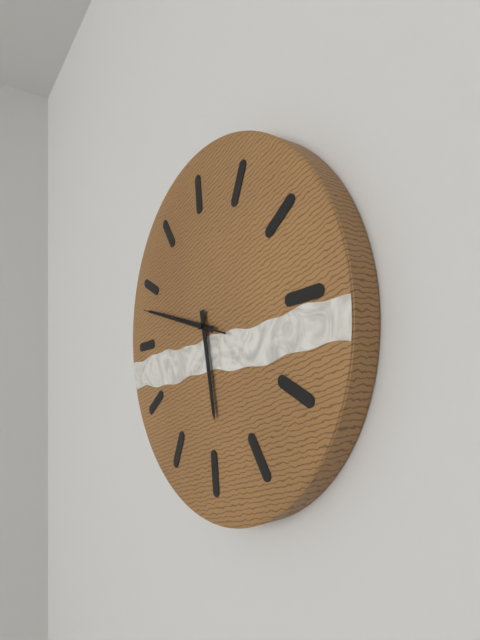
5.48.48
